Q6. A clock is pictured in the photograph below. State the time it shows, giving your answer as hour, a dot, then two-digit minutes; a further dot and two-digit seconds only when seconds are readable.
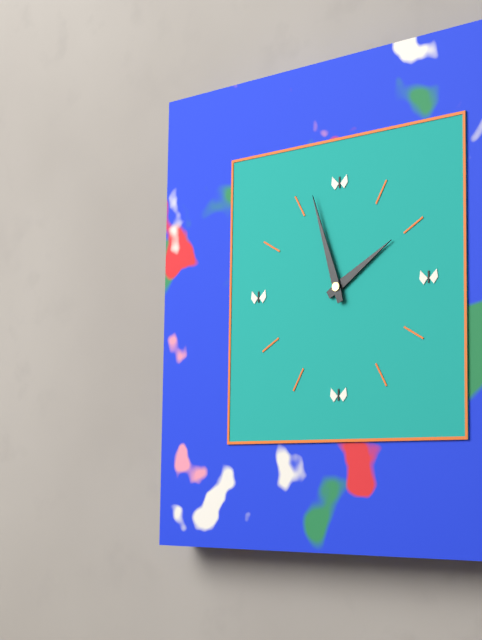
1.57
